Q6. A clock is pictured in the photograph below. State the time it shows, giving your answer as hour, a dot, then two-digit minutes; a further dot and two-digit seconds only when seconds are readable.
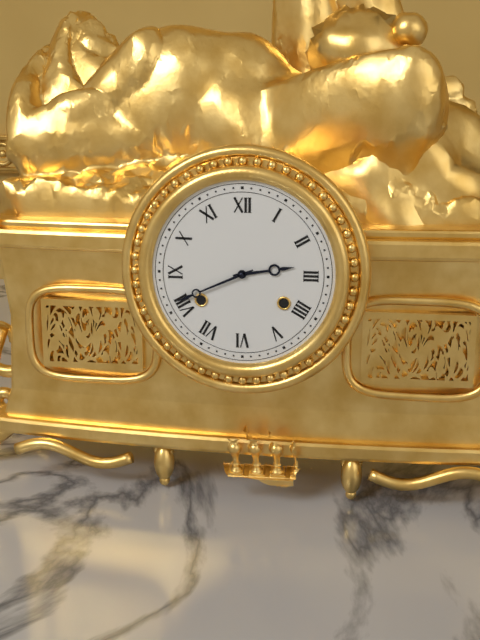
2.41
